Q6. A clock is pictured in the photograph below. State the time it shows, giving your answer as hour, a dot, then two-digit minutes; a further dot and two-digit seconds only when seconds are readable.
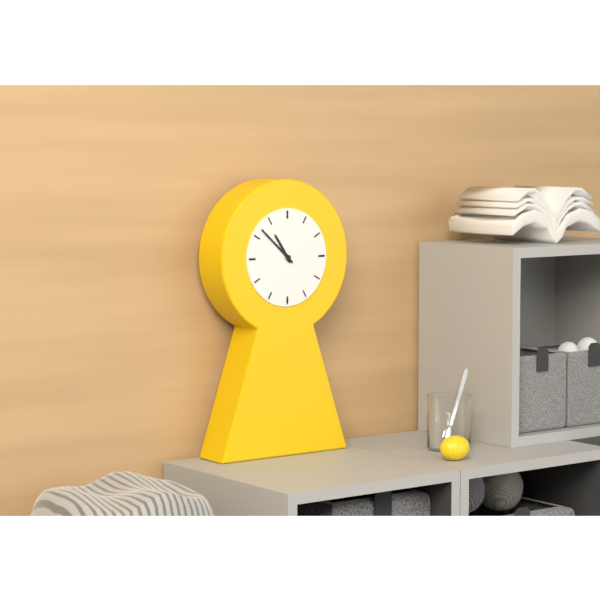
10.52
